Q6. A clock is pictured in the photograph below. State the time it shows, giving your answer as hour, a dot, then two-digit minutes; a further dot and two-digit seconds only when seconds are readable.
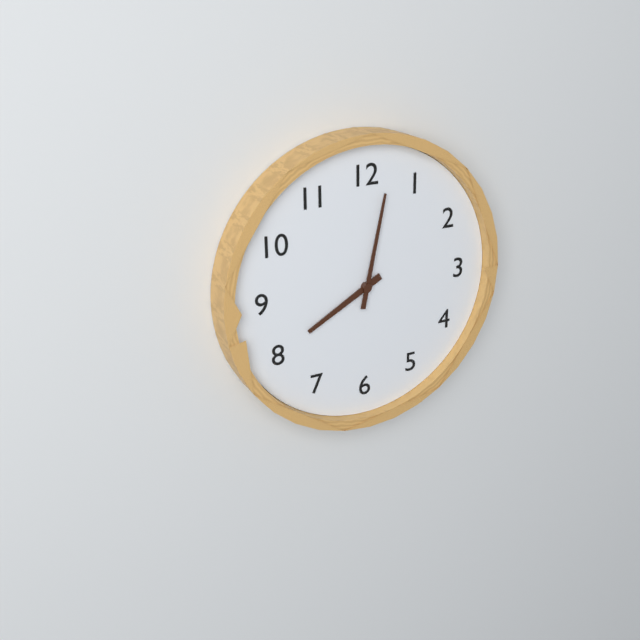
8.02
